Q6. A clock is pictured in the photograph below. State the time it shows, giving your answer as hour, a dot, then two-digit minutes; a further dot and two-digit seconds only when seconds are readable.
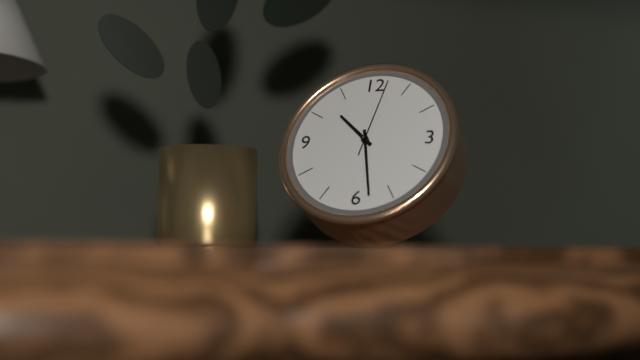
10.28.02
